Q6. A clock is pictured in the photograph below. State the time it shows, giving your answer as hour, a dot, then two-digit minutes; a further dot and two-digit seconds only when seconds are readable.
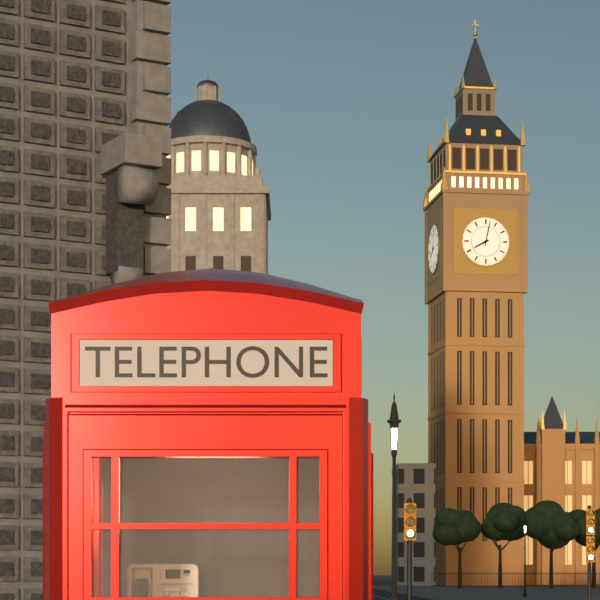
8.02
